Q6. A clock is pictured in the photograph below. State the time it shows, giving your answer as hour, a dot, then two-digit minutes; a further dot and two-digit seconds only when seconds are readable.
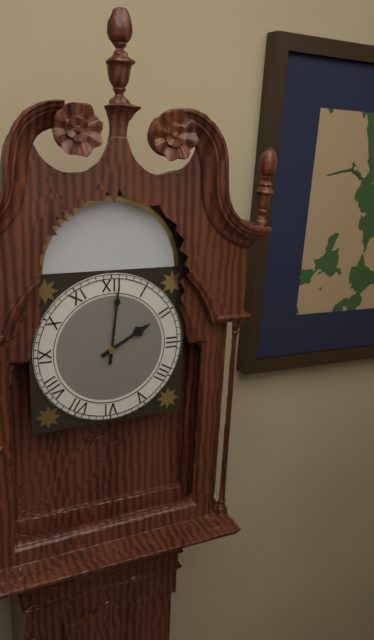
2.01
